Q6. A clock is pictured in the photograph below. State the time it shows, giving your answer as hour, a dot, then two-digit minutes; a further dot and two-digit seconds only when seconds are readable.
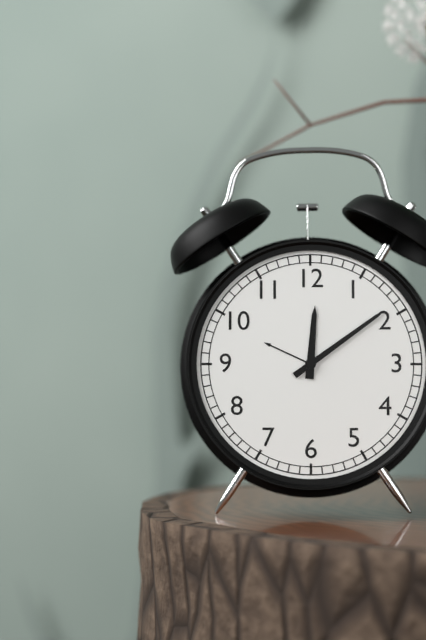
12.09
